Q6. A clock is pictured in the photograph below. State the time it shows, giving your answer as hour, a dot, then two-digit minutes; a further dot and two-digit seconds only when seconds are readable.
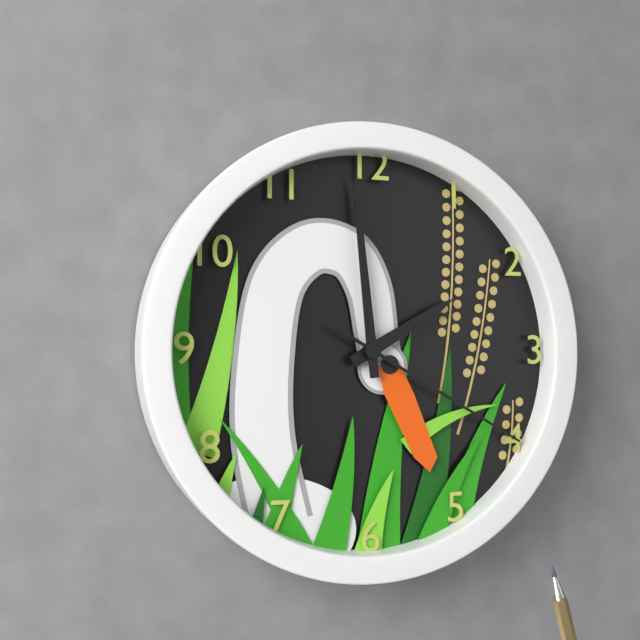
1.59.20
